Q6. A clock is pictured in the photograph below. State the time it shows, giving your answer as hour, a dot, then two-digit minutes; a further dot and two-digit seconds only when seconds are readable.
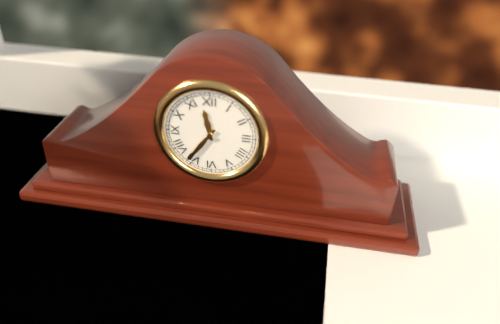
11.36
